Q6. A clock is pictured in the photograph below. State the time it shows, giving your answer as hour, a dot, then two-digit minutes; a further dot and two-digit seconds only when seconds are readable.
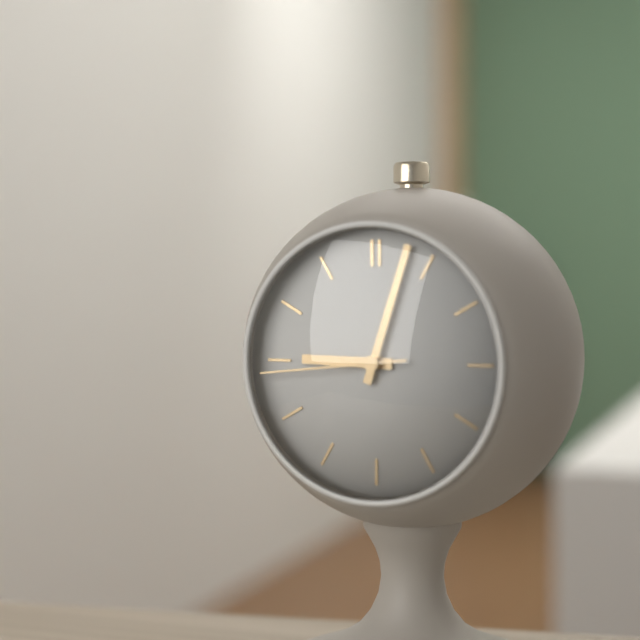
9.03.44
